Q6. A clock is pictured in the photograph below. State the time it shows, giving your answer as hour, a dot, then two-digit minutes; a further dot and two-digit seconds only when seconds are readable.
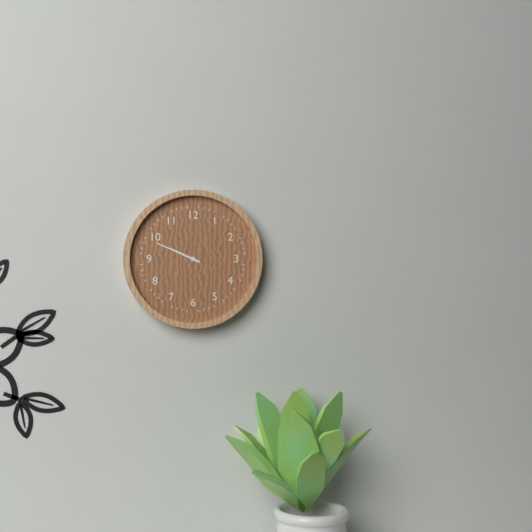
9.49
